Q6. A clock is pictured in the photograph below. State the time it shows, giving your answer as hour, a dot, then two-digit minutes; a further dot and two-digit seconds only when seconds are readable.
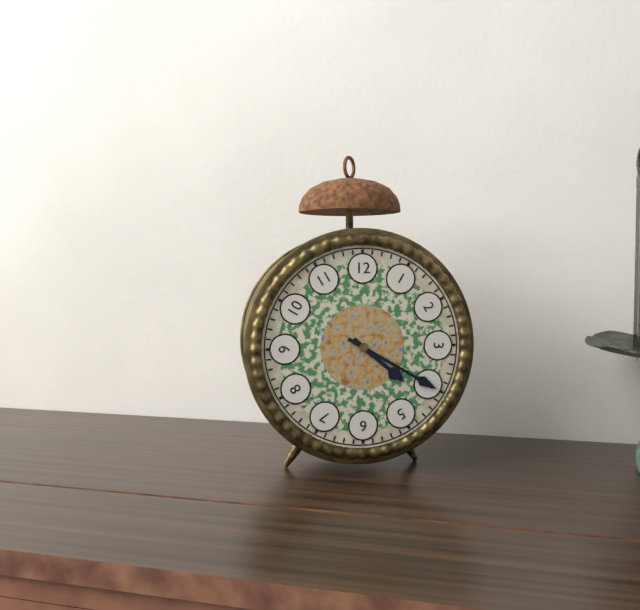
4.20
